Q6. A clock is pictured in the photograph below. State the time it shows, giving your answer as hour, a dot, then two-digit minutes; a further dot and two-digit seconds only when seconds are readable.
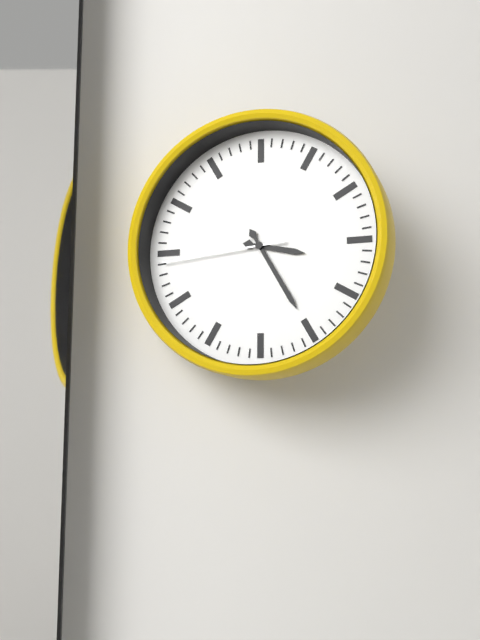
3.25.44
